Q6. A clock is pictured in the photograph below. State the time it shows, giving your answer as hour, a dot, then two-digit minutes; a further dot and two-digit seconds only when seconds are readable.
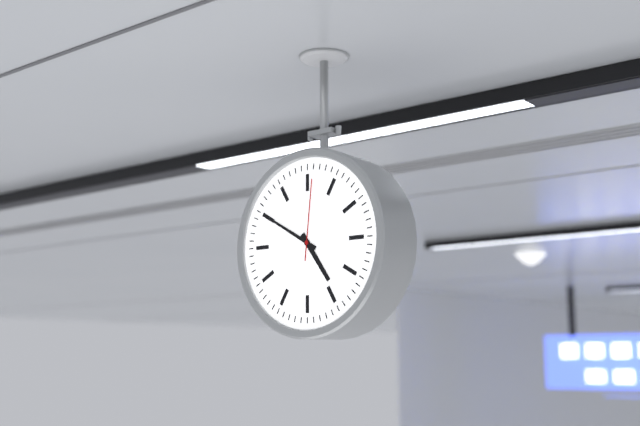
4.50.01
